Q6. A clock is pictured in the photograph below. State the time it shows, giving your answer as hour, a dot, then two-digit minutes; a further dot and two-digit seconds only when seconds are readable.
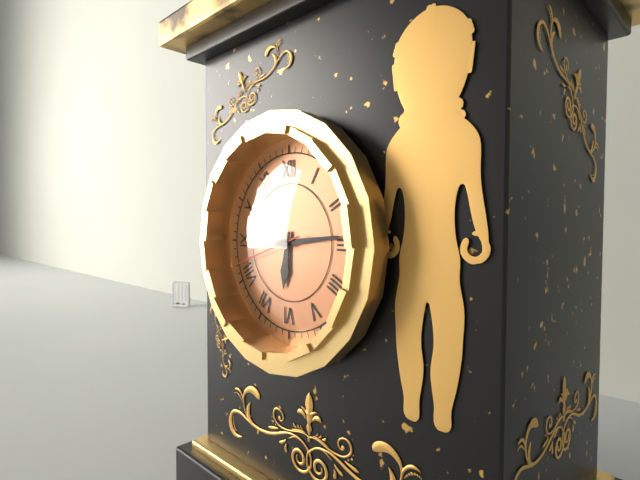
6.14.42
